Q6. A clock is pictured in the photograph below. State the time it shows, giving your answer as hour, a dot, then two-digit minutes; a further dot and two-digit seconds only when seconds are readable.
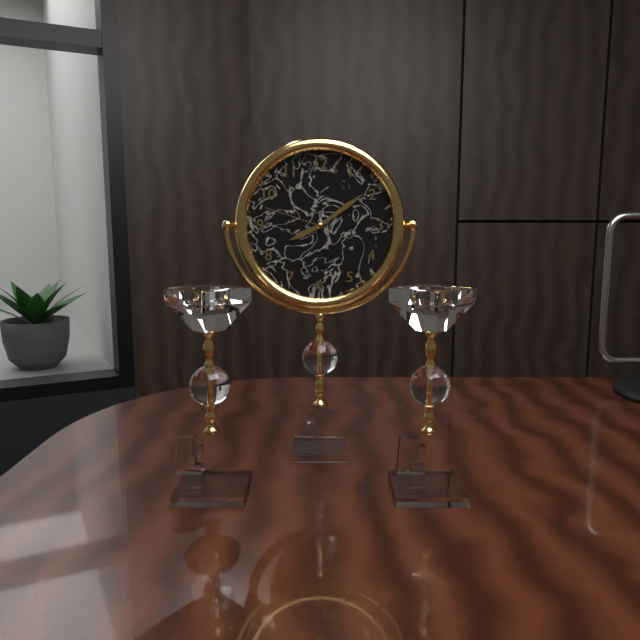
8.09.48
